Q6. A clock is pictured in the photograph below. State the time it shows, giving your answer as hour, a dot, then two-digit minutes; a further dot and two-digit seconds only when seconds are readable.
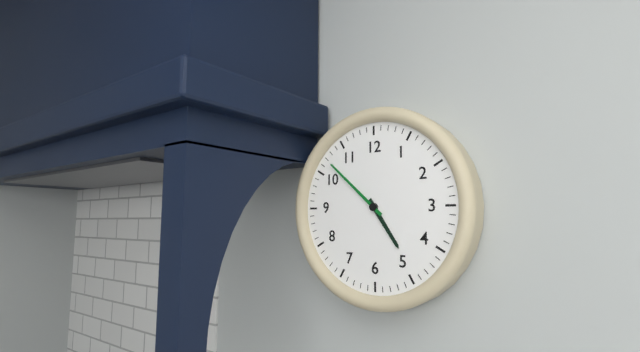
4.52
